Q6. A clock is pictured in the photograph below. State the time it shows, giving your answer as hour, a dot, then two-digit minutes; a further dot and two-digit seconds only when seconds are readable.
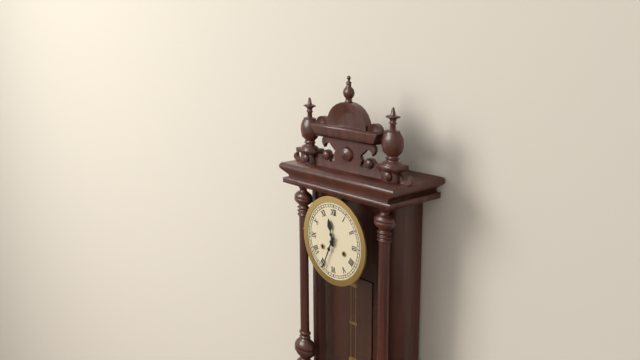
11.34
